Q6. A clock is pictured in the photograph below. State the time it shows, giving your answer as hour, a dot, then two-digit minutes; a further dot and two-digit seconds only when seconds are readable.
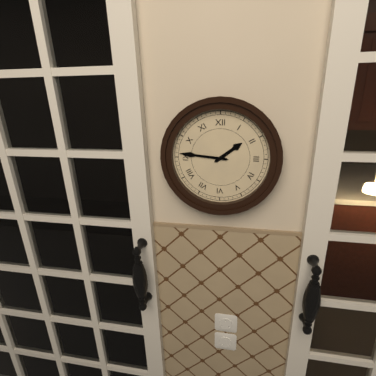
1.46
